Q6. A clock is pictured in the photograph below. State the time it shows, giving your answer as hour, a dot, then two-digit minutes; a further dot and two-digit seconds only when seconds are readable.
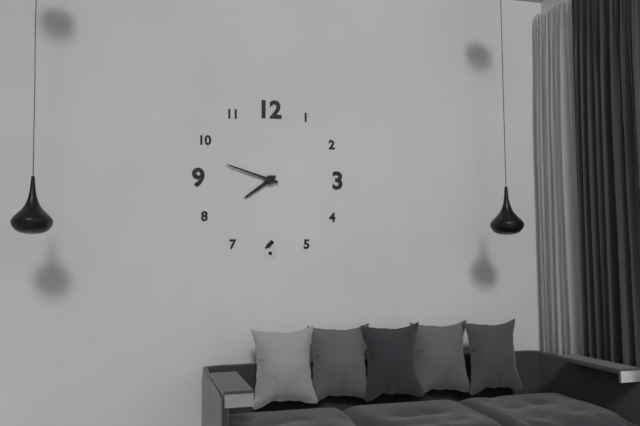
7.48
